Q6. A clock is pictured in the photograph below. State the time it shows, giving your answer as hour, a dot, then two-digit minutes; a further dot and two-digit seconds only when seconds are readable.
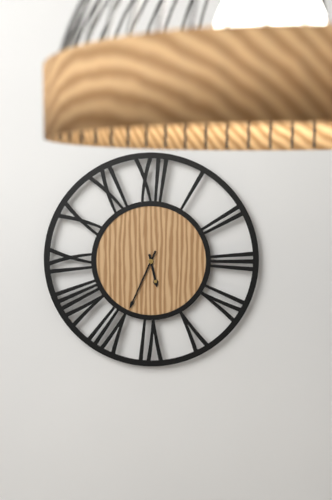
5.34
